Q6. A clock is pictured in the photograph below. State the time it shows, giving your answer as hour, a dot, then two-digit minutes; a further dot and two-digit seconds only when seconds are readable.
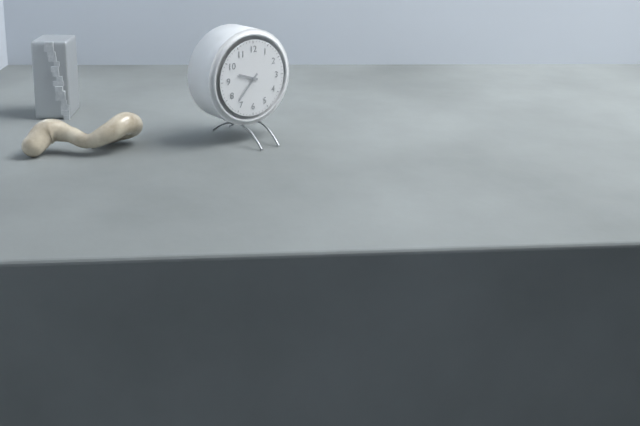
9.37
